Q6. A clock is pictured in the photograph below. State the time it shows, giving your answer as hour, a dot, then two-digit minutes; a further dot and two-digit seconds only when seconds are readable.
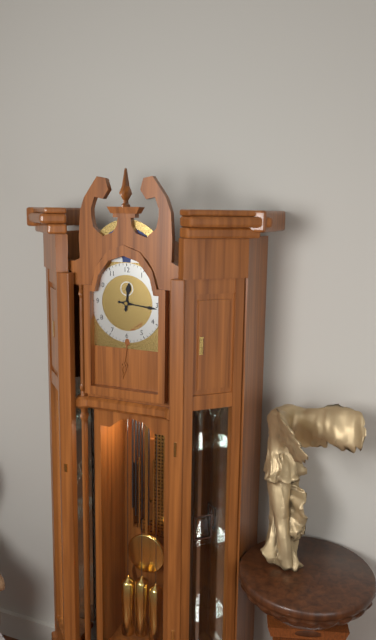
12.16
